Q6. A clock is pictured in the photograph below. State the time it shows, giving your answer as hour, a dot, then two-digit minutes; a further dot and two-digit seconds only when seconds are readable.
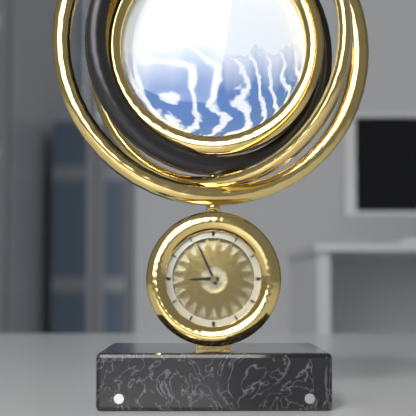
8.56
